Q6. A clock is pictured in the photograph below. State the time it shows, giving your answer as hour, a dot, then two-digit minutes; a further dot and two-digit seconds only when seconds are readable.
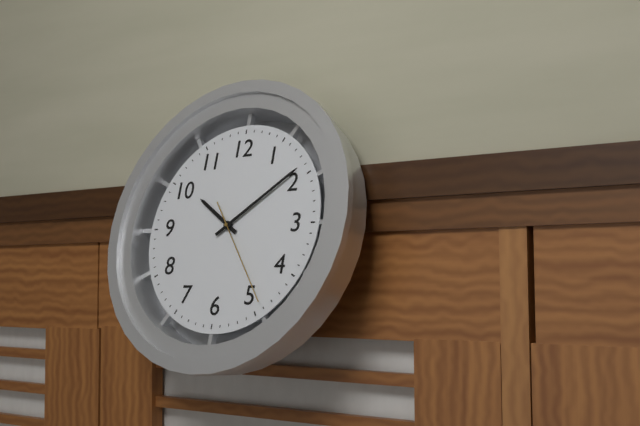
10.09.24
